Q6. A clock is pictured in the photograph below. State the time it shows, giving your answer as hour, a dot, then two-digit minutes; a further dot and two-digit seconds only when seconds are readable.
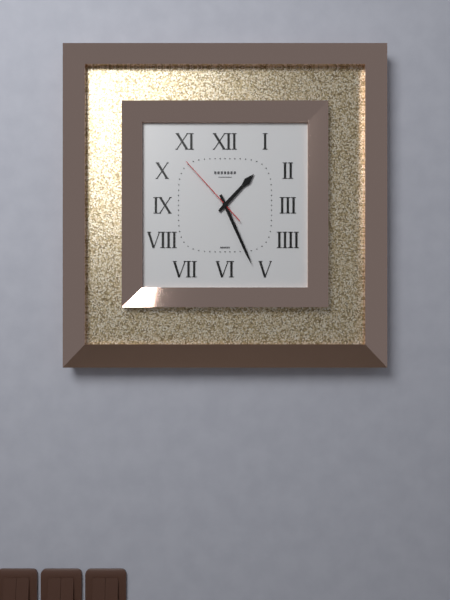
1.26.53
